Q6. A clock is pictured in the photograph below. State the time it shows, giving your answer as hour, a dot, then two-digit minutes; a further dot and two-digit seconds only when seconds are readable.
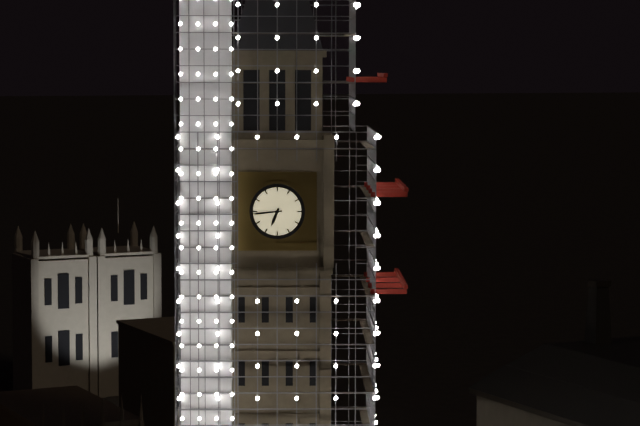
6.44
